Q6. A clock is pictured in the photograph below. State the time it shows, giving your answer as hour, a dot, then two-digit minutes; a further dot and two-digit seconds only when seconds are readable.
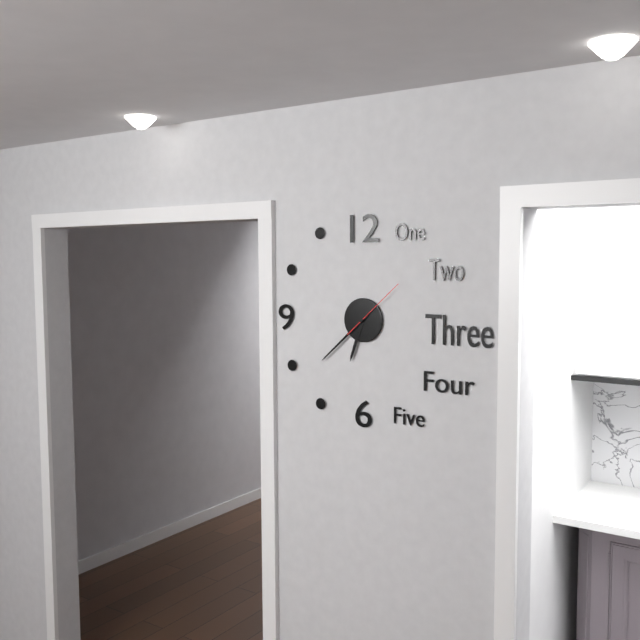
6.38.08
